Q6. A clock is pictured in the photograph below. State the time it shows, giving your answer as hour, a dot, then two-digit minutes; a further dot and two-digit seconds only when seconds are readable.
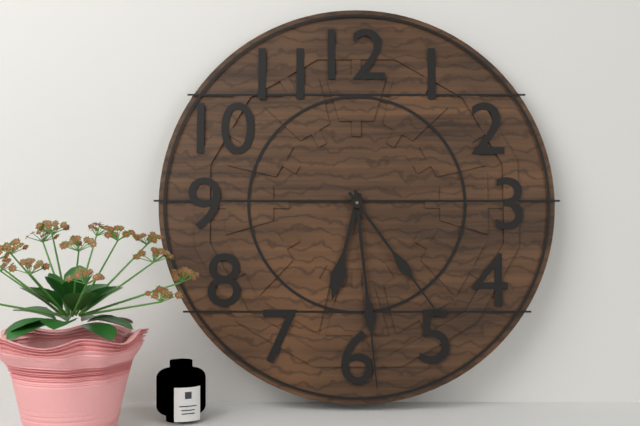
6.29.24
